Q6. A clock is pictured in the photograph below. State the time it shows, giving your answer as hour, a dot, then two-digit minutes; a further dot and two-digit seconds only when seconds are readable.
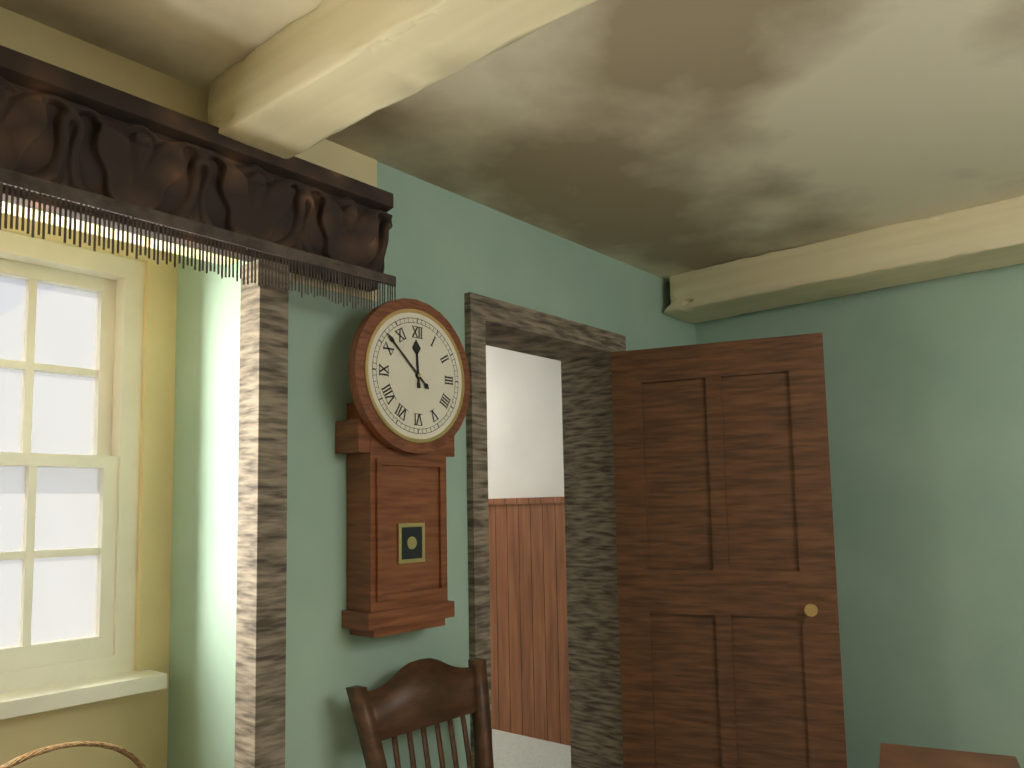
11.52
